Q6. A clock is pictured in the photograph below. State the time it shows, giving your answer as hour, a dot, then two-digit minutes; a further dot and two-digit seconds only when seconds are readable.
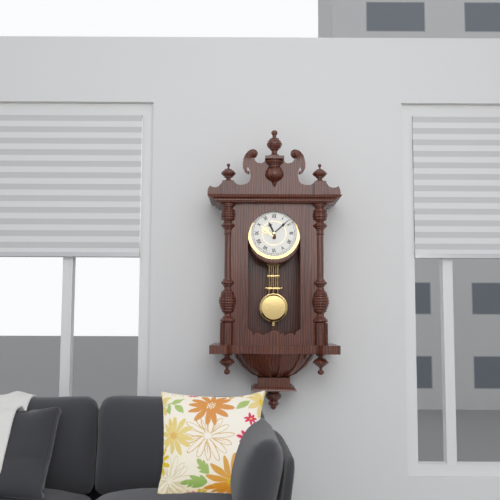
11.08
